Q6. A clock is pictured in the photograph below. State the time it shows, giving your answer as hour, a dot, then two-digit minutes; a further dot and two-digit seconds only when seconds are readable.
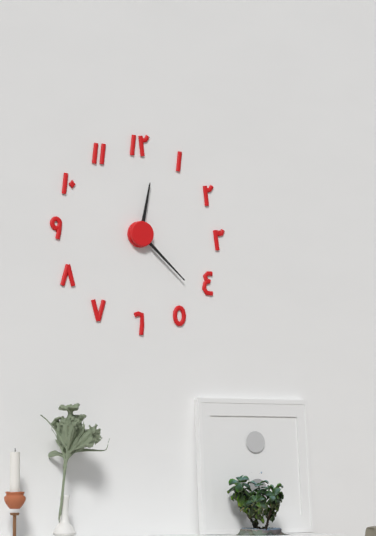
12.22
